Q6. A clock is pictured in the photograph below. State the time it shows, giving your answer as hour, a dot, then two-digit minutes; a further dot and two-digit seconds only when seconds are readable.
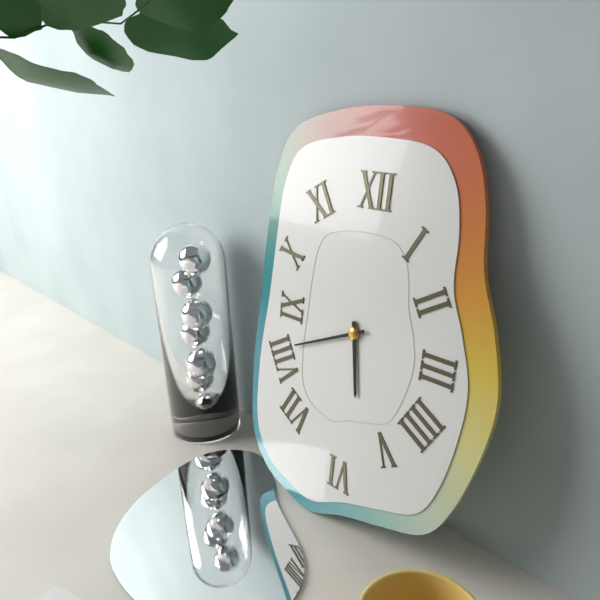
5.41
